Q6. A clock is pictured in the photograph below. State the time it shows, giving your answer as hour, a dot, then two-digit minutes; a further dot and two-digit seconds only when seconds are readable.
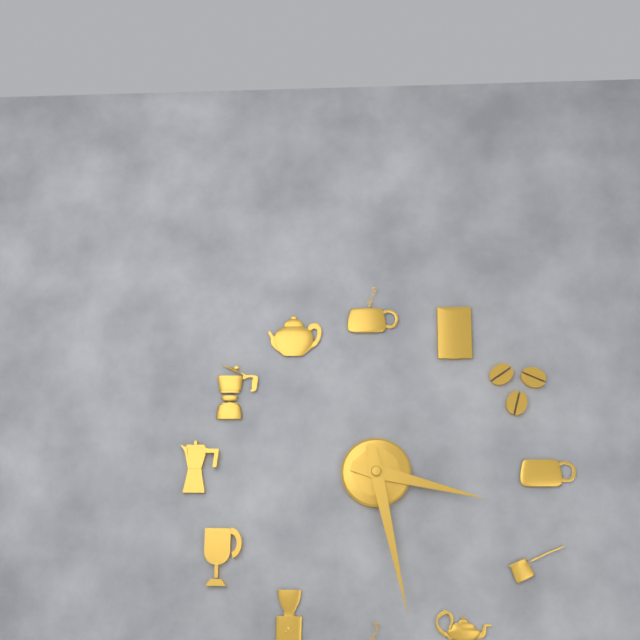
3.28
